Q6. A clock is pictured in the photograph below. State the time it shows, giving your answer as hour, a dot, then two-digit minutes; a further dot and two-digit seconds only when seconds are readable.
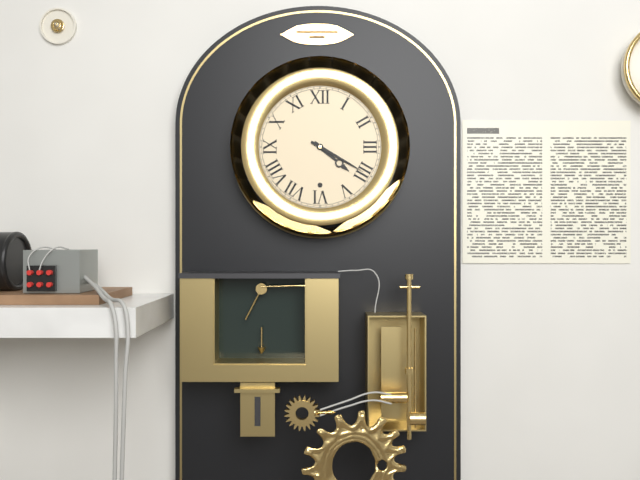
4.20
